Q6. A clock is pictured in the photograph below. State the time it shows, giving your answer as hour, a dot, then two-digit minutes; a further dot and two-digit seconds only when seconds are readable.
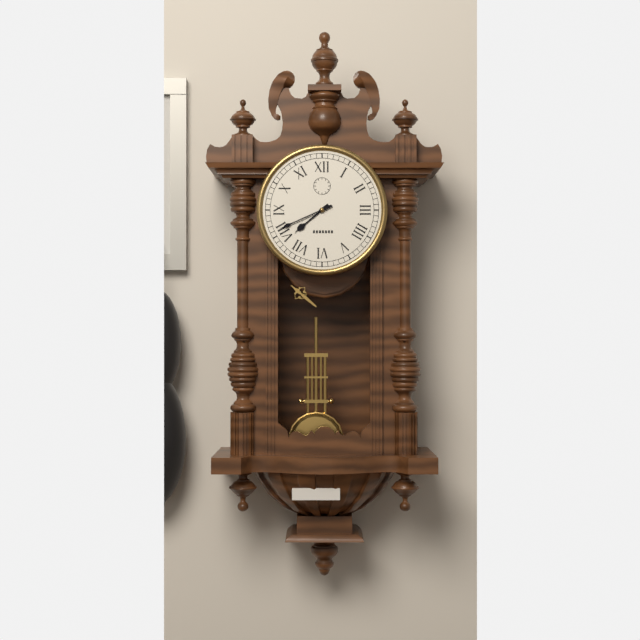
7.41
